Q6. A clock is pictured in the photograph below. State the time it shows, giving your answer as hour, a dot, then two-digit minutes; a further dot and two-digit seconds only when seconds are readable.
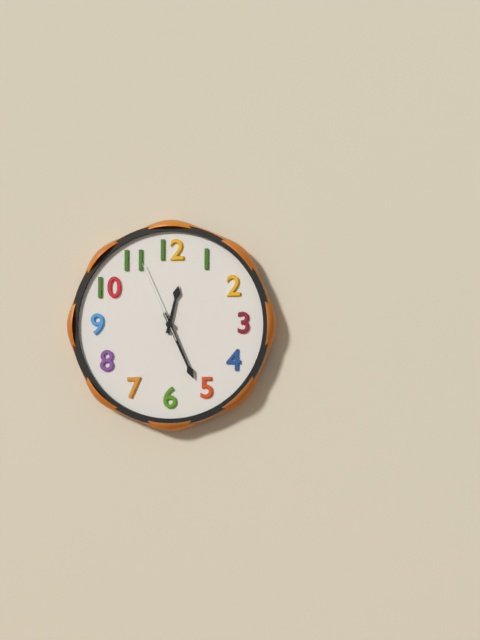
12.26.56
